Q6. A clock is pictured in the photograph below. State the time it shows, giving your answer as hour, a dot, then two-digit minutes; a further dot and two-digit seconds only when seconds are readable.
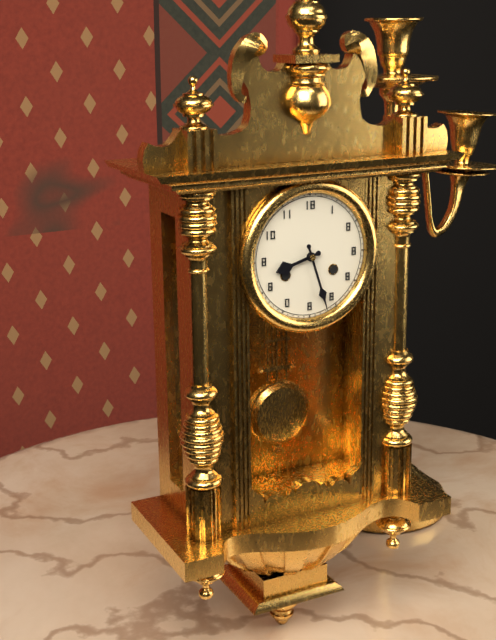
8.27
